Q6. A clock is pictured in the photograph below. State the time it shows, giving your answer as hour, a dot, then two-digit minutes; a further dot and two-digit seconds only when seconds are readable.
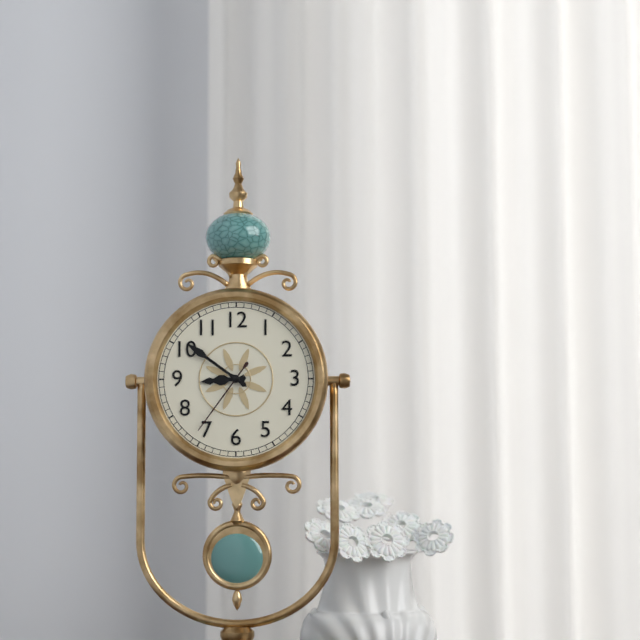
8.51.36
